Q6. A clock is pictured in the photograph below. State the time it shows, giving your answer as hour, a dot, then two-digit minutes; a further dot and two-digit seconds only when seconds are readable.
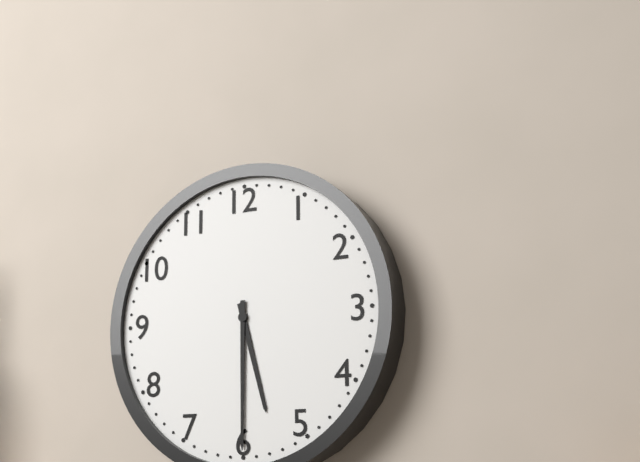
5.30
